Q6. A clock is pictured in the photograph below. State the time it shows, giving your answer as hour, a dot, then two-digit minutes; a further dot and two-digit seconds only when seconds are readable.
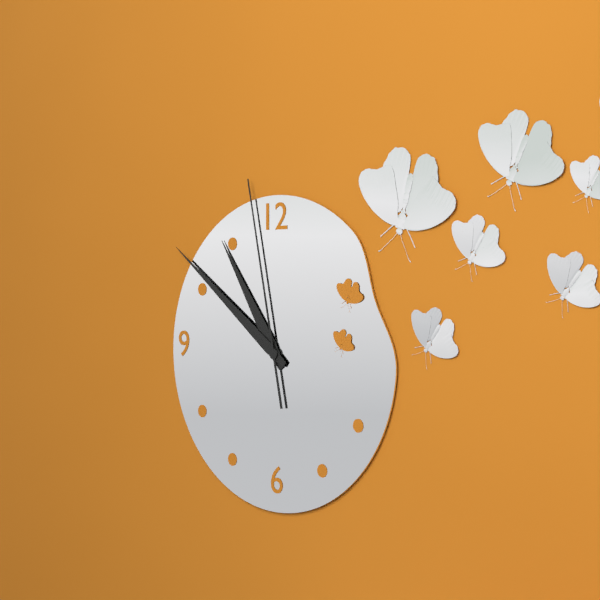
10.51.58
